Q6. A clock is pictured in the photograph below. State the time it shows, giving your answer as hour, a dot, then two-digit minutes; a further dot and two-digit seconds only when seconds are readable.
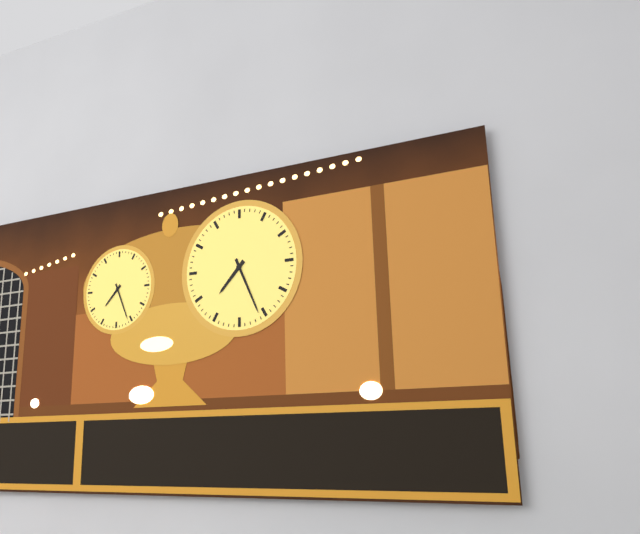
7.26
